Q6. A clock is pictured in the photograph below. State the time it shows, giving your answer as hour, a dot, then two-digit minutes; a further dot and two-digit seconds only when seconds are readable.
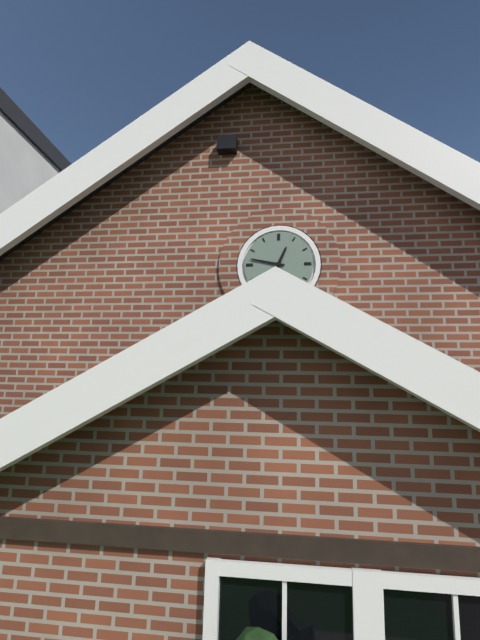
12.47
